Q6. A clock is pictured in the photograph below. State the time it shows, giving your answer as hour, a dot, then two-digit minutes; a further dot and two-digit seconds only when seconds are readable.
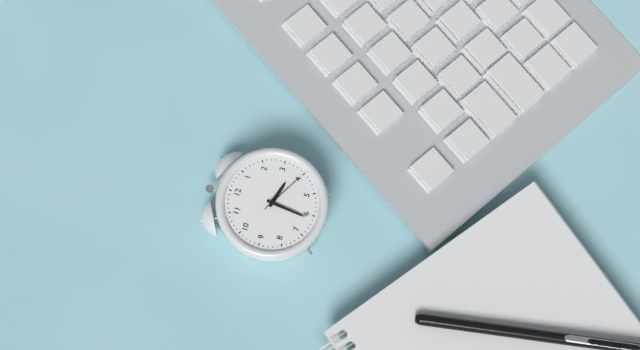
3.31
